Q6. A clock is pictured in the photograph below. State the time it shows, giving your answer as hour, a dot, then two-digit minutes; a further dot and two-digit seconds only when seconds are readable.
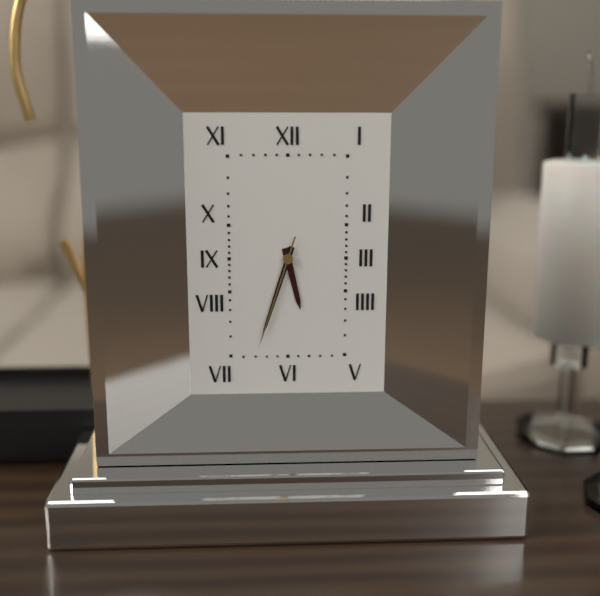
5.33.33
